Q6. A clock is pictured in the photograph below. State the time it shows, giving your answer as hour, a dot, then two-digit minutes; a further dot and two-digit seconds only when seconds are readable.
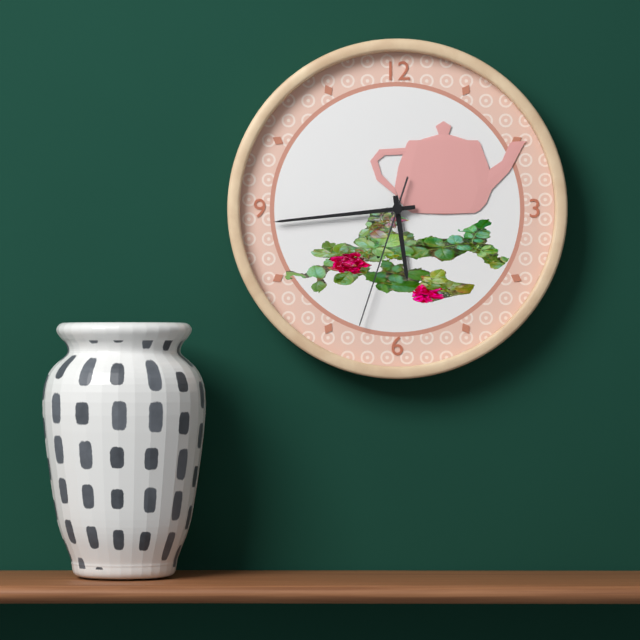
5.44.33
